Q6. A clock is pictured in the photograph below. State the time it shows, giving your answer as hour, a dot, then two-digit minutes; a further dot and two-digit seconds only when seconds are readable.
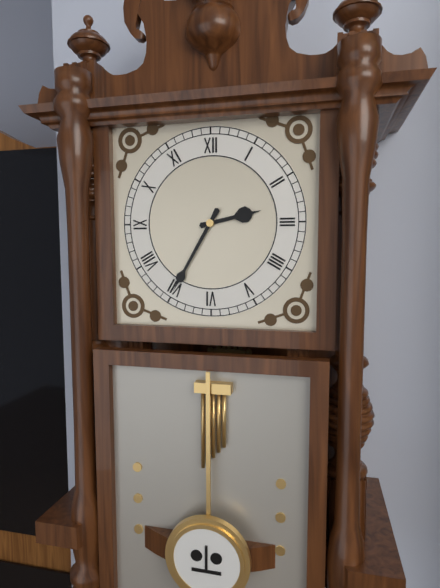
2.35
